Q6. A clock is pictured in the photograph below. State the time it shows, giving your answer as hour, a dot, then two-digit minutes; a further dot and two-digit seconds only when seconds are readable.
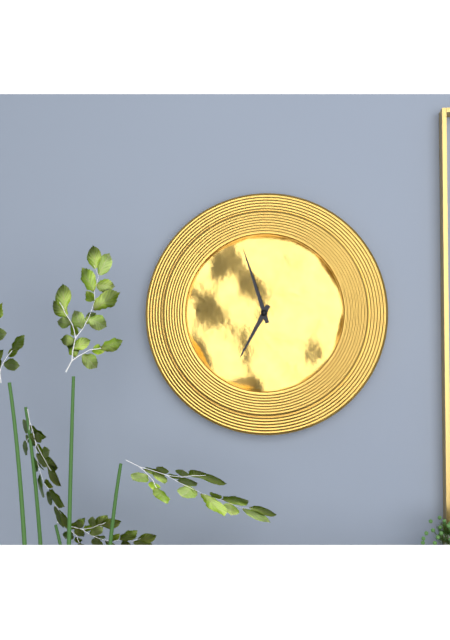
6.57
